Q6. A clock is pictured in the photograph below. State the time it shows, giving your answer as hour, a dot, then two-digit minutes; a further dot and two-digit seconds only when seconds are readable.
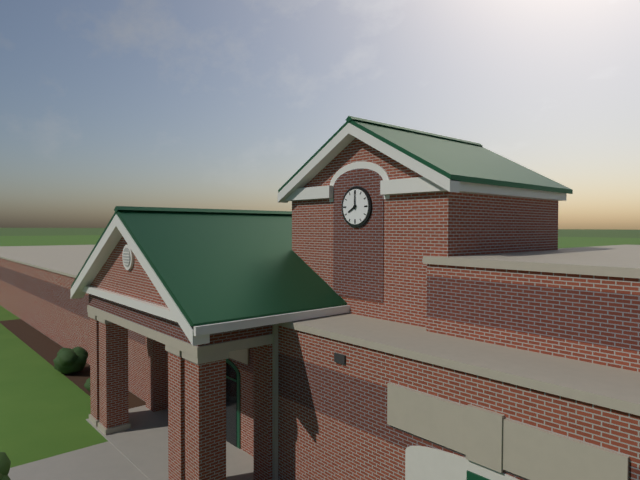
8.00
